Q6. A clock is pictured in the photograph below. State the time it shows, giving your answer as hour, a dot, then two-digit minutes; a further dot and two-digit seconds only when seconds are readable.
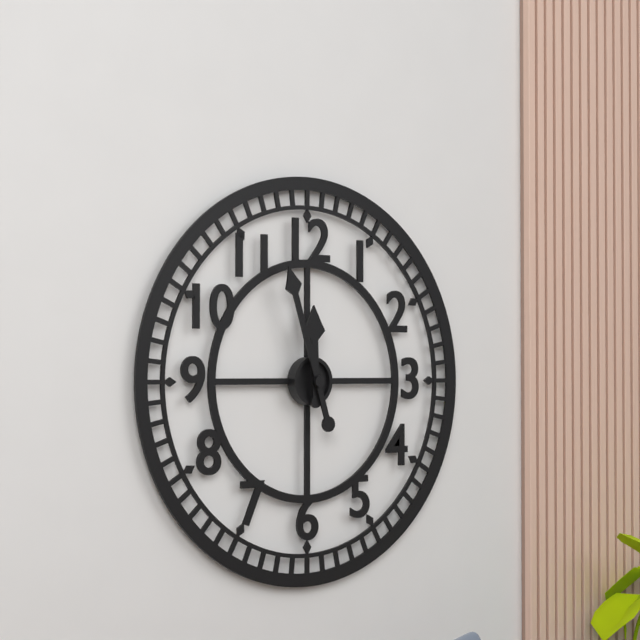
11.57
